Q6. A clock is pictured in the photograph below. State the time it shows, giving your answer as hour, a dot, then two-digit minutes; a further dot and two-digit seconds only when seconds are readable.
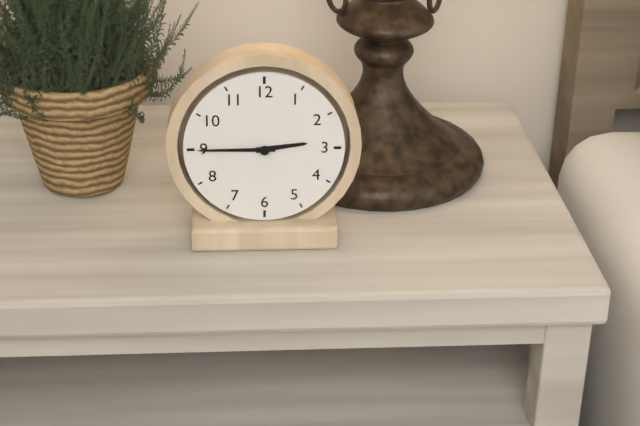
2.45
